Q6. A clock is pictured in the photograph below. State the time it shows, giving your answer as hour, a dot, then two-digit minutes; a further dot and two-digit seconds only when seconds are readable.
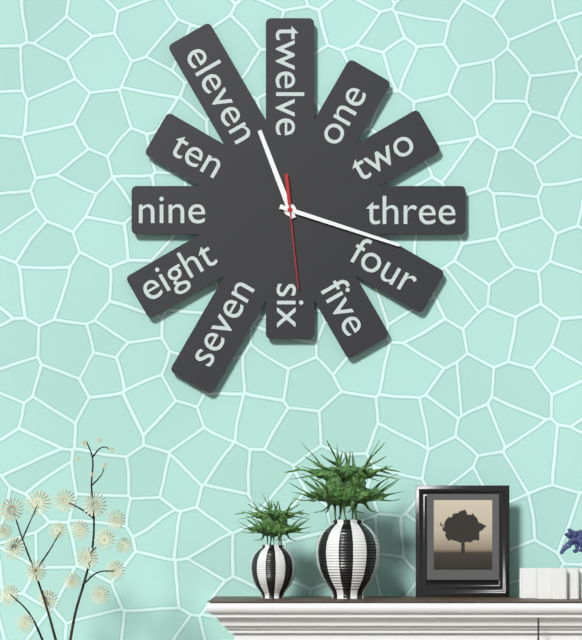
11.18.29
